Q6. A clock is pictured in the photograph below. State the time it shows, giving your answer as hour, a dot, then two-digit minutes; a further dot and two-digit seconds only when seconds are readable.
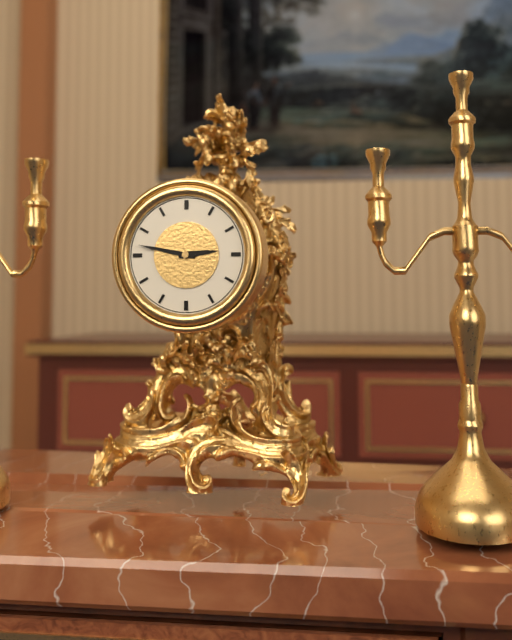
2.47
